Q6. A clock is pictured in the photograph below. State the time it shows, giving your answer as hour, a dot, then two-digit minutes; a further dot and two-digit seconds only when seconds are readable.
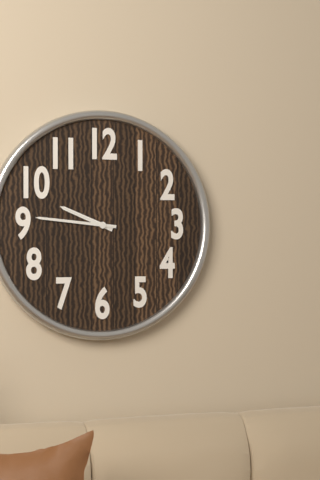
9.46
